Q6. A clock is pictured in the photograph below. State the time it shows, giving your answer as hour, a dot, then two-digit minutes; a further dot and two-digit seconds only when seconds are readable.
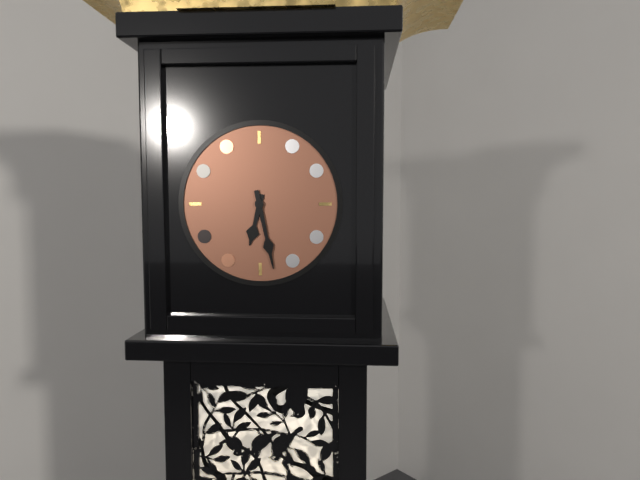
6.28
